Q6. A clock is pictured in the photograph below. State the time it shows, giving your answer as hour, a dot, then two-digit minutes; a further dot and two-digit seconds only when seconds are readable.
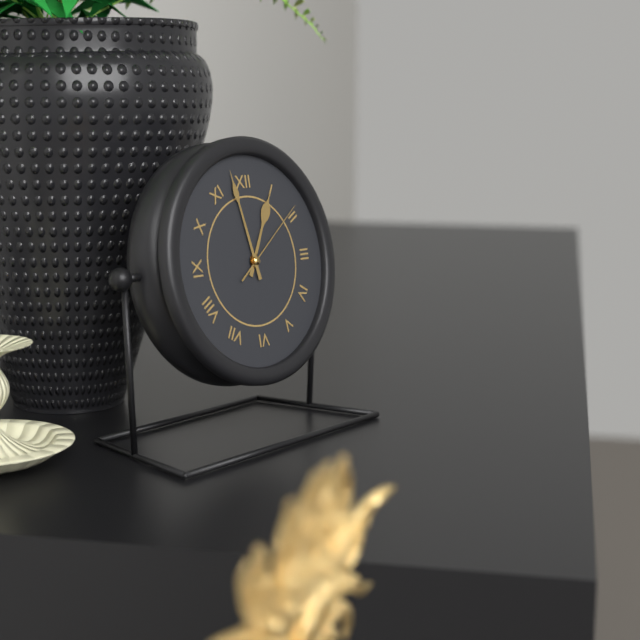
12.58.09
